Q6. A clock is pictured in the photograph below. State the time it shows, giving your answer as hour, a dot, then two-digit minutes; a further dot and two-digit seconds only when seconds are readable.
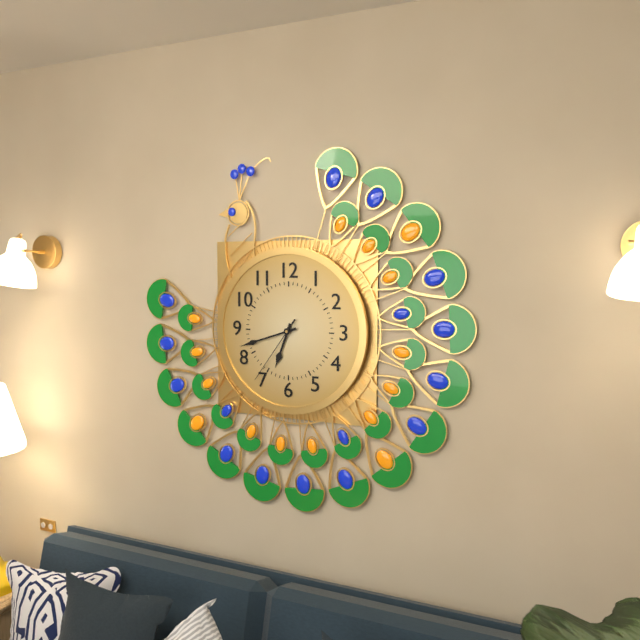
6.42.36
